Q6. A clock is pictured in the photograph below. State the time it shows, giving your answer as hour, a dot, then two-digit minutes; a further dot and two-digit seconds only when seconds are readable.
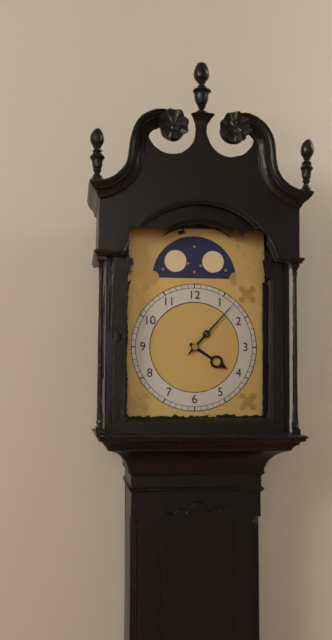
4.07
